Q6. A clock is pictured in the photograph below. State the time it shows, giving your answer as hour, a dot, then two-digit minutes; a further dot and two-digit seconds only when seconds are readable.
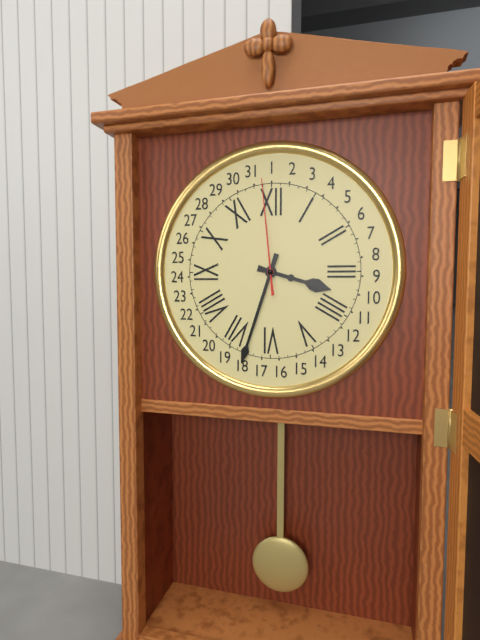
3.33.59
